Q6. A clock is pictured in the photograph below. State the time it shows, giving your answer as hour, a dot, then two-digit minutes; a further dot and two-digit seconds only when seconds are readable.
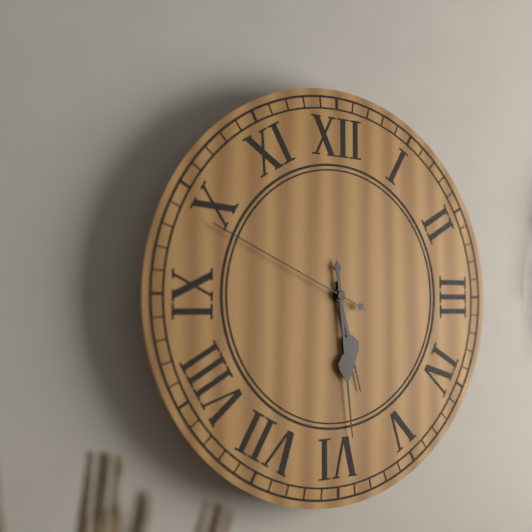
5.29.49
